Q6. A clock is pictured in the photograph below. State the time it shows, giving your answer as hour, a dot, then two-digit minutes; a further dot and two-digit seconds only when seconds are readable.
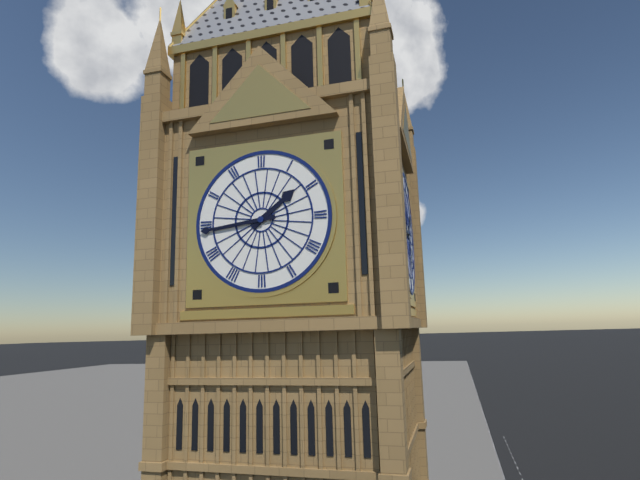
1.44
